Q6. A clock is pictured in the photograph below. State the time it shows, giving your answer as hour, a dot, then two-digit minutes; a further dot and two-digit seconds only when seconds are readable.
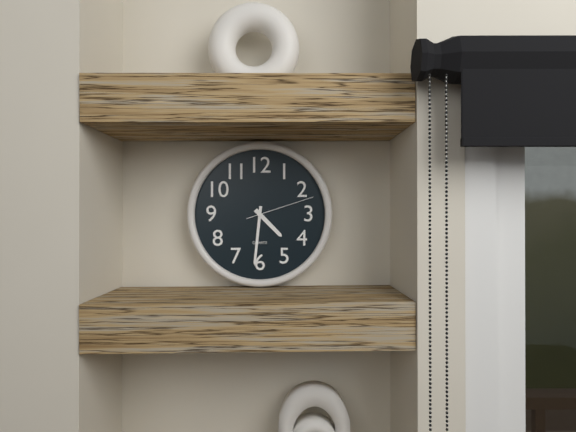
4.31.12
